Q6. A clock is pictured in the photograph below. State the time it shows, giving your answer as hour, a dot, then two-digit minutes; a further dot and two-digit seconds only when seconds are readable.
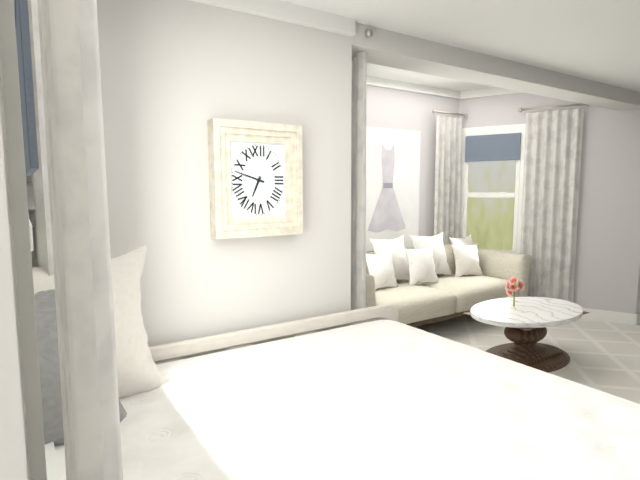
6.48
